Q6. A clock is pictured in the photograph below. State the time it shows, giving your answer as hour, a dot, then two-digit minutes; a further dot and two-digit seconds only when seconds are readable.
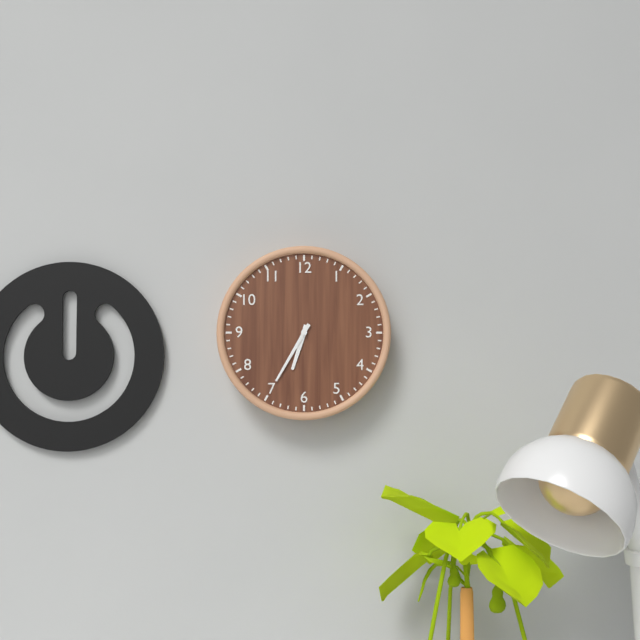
6.35
